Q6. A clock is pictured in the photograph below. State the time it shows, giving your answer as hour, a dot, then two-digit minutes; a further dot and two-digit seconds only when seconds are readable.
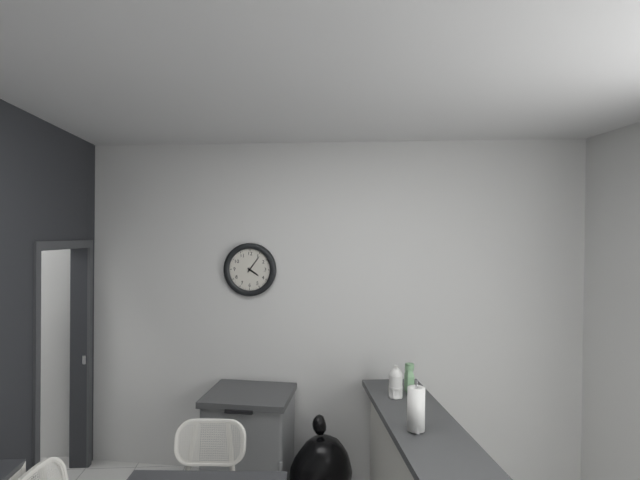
4.06
